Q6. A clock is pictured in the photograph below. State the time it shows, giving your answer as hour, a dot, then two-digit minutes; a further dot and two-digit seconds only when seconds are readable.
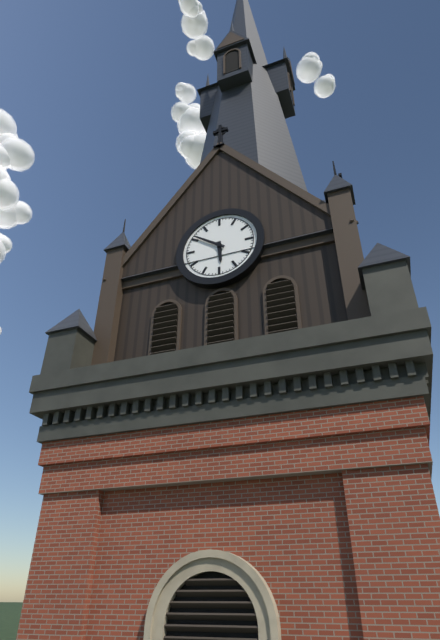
5.51
